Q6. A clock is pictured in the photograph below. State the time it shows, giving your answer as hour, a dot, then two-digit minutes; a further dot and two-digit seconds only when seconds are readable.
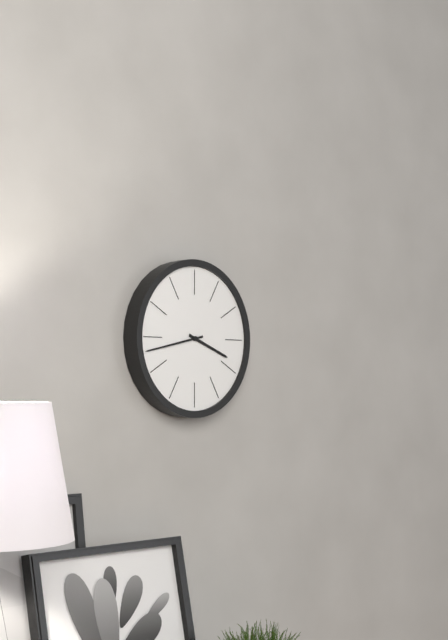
3.43
